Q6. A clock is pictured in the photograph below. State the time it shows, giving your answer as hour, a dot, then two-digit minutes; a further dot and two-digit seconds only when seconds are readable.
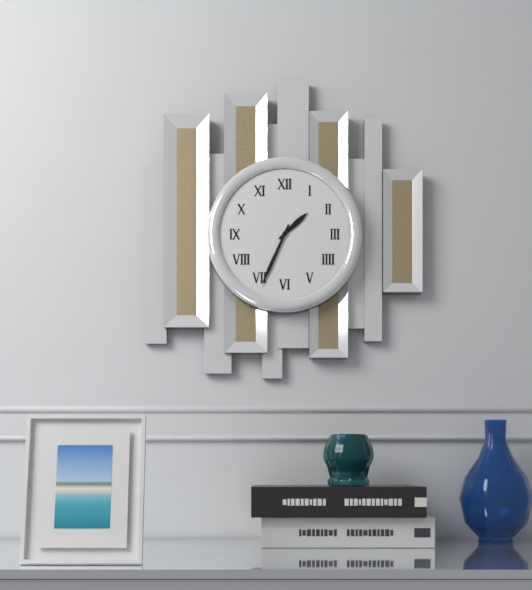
1.34
